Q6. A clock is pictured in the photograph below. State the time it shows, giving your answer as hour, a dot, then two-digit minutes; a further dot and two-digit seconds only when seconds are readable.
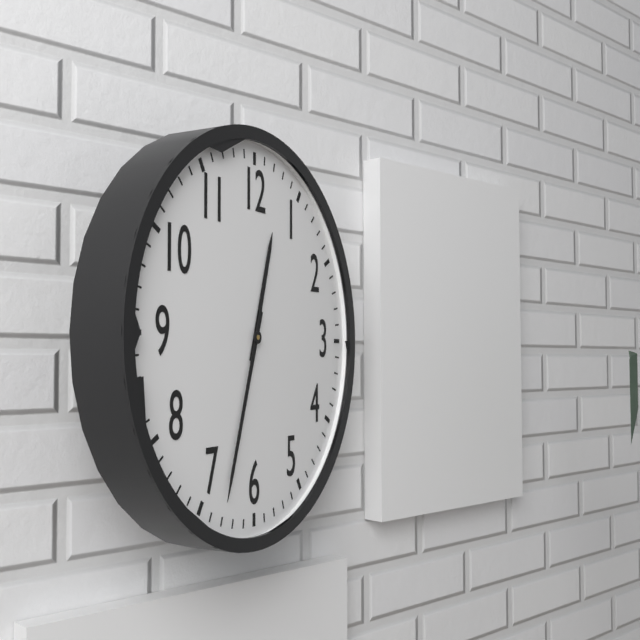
12.33
